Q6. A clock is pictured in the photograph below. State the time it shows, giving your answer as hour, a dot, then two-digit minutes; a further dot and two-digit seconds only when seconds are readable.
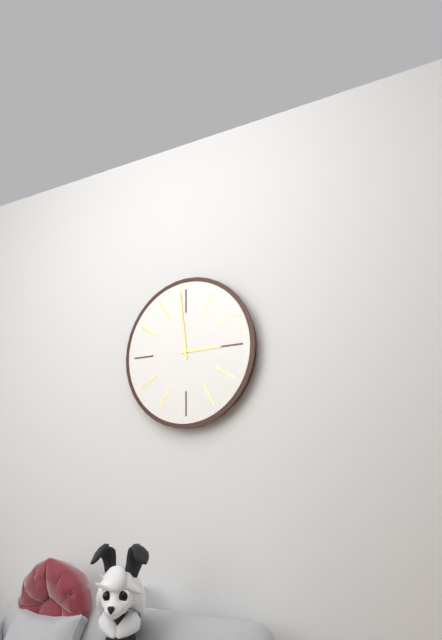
2.59
